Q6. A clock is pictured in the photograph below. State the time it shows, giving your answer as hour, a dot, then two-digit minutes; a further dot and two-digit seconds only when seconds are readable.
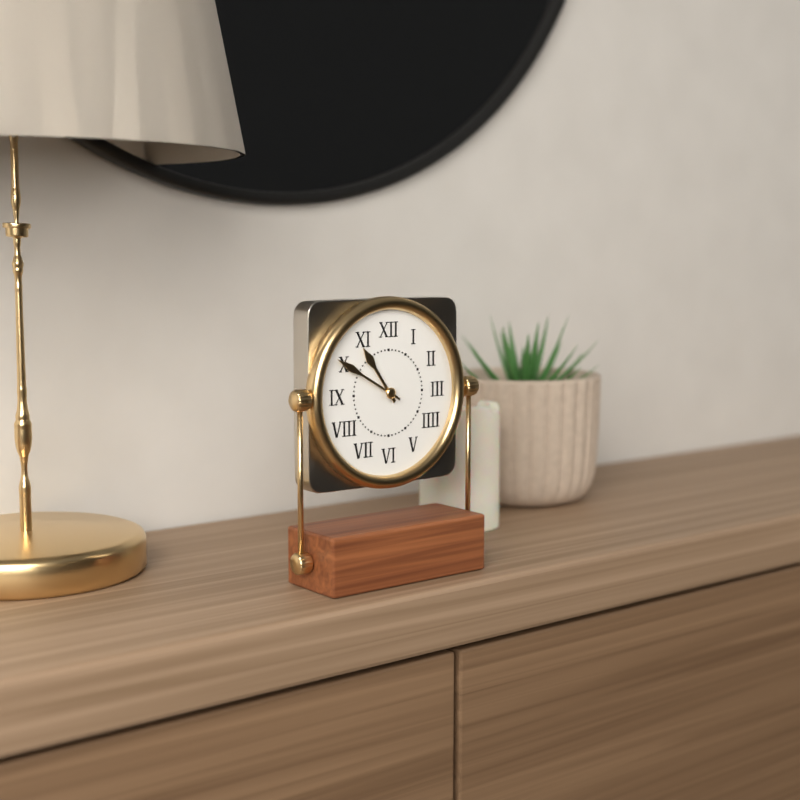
10.50
